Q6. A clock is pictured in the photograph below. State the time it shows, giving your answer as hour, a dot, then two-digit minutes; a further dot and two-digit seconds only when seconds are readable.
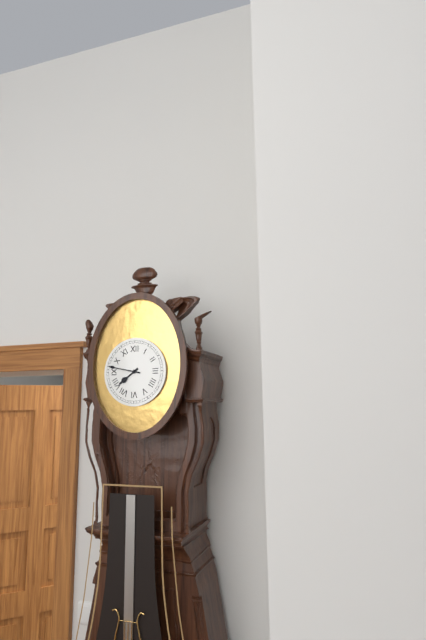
7.47
